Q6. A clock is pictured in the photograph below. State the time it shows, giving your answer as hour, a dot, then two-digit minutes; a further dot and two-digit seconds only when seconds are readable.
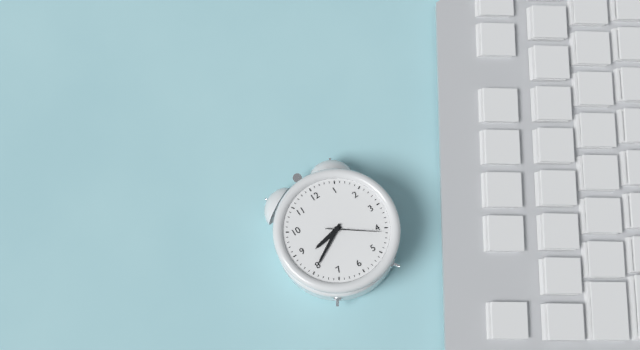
8.40.21
